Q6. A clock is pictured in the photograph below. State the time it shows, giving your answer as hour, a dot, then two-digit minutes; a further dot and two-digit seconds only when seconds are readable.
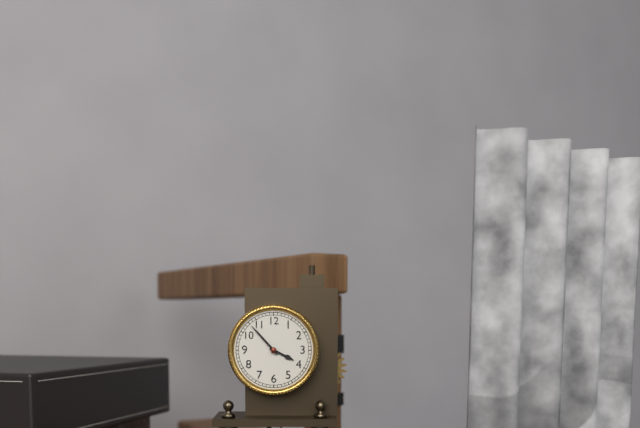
3.53
